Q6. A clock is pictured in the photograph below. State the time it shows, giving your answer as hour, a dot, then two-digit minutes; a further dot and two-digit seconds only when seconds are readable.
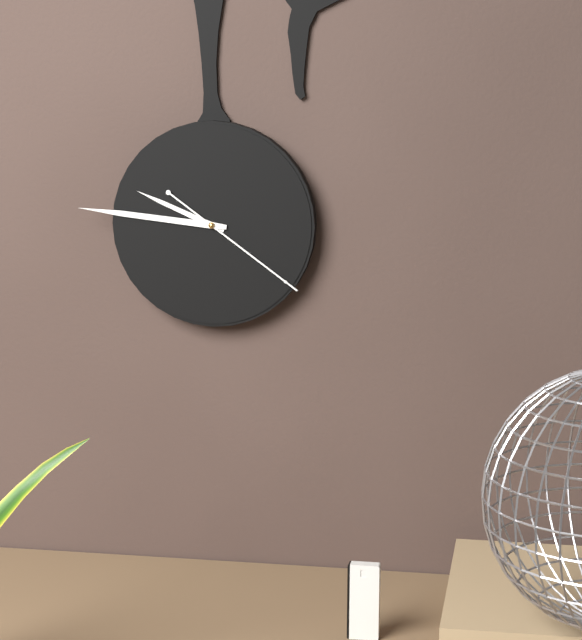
9.46.21
